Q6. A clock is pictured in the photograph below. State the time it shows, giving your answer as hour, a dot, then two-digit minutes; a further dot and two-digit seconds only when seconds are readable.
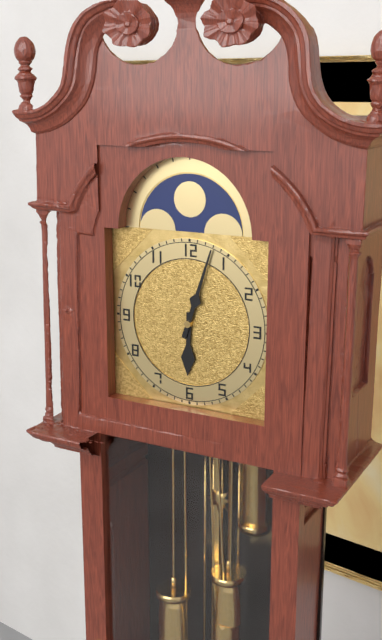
6.03
